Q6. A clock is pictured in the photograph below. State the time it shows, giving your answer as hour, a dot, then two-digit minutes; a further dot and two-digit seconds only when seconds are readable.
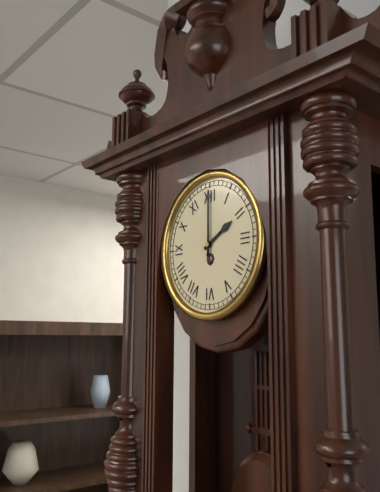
2.00
